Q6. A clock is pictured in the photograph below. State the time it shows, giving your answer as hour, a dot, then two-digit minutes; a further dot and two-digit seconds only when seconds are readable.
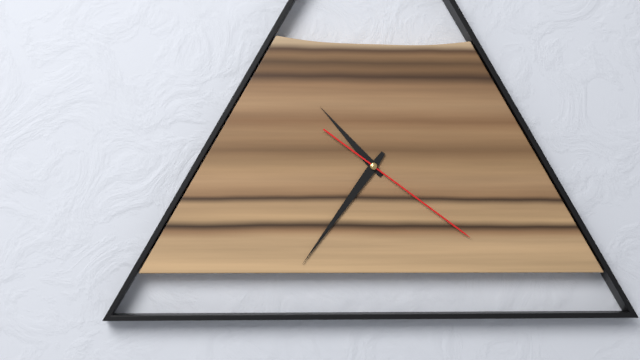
10.36.21
